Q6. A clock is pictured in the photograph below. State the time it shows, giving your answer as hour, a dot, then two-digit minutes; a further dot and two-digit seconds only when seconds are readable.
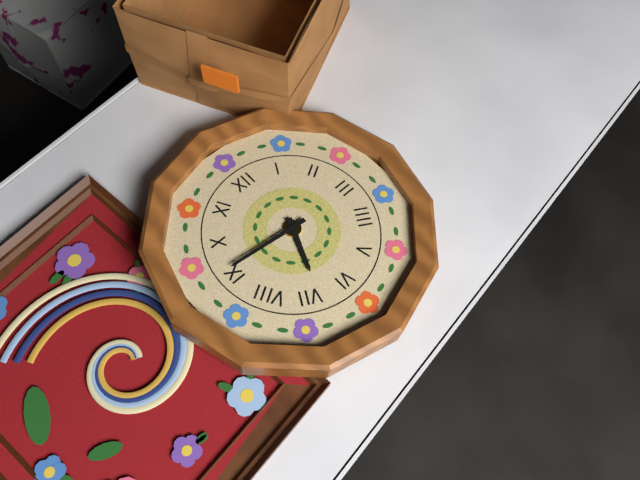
6.46
